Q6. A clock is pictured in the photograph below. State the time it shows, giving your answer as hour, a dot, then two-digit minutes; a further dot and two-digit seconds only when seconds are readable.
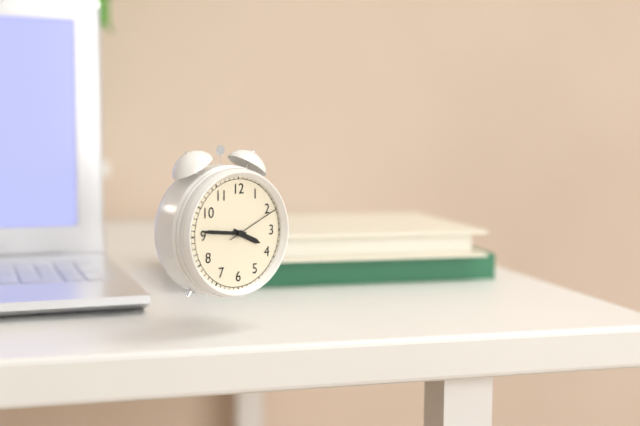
3.46.11
